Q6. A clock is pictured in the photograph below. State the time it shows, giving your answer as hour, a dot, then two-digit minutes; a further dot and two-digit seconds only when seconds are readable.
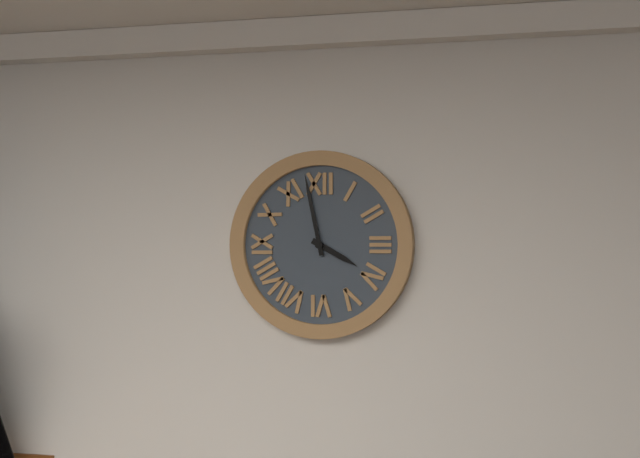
3.58
